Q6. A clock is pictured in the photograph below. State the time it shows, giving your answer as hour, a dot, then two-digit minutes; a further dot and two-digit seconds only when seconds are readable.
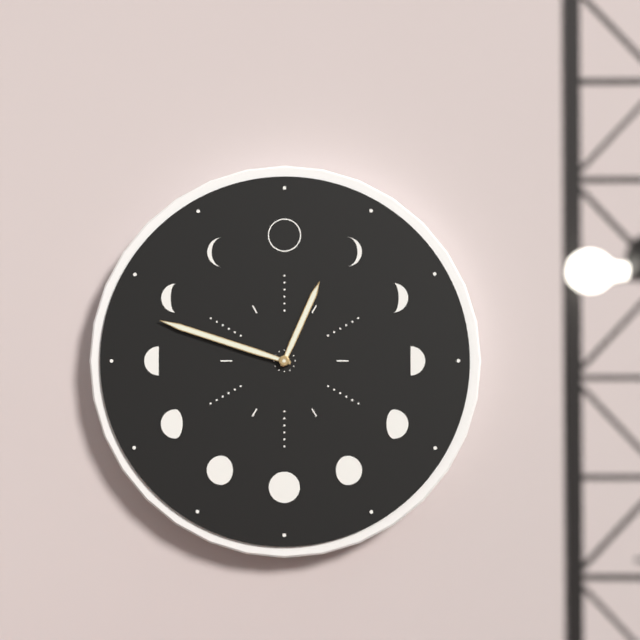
12.48
